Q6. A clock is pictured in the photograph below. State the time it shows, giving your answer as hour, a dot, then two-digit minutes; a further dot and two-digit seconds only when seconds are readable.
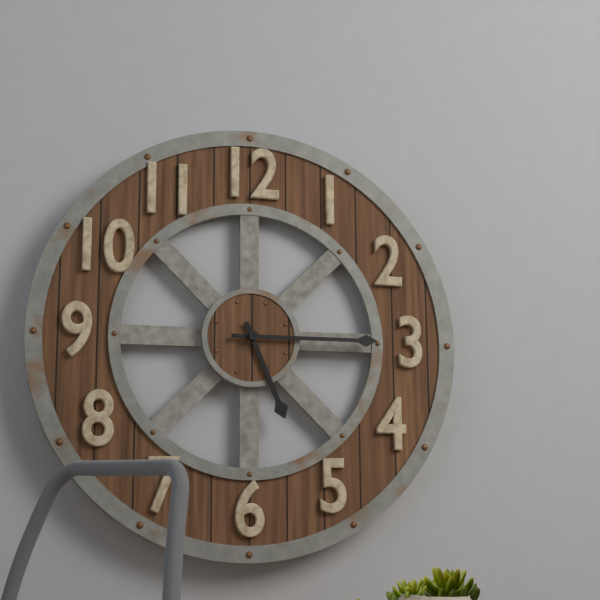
5.15
